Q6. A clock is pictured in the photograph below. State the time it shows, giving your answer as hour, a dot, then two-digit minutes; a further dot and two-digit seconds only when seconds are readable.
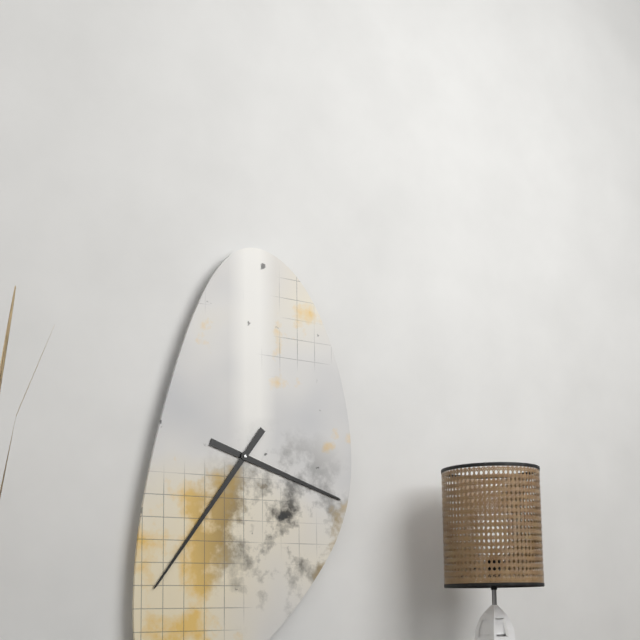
3.36
